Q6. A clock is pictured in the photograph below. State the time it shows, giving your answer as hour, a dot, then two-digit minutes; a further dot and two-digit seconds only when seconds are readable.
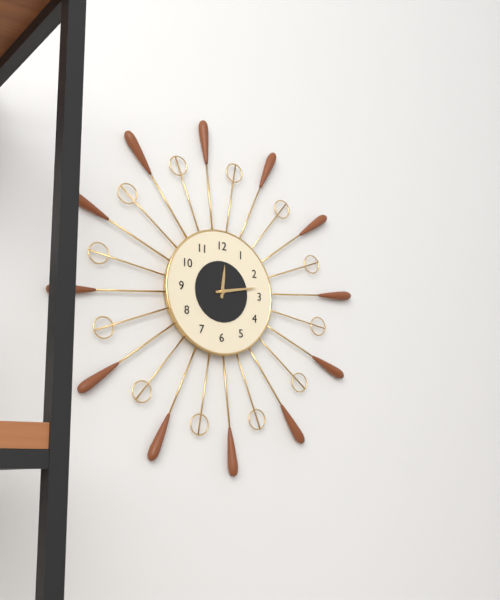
12.13
